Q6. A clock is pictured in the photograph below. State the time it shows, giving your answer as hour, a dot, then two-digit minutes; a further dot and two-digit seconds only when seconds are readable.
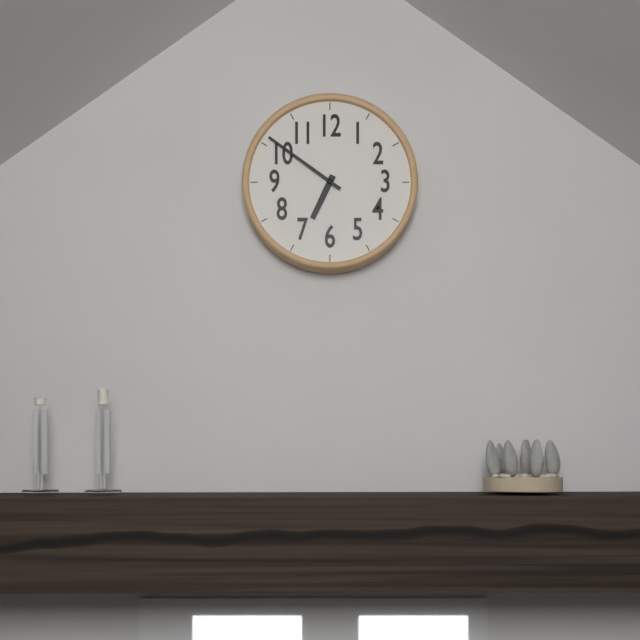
6.51
